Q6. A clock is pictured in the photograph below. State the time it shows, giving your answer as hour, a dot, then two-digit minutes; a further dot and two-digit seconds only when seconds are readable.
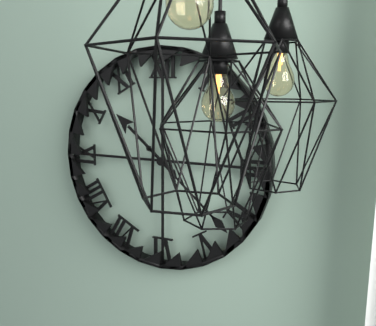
10.22
